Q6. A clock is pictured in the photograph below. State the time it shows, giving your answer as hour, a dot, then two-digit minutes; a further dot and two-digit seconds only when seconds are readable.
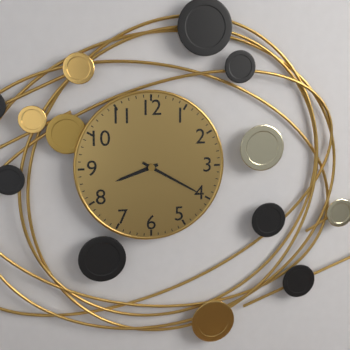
8.20
